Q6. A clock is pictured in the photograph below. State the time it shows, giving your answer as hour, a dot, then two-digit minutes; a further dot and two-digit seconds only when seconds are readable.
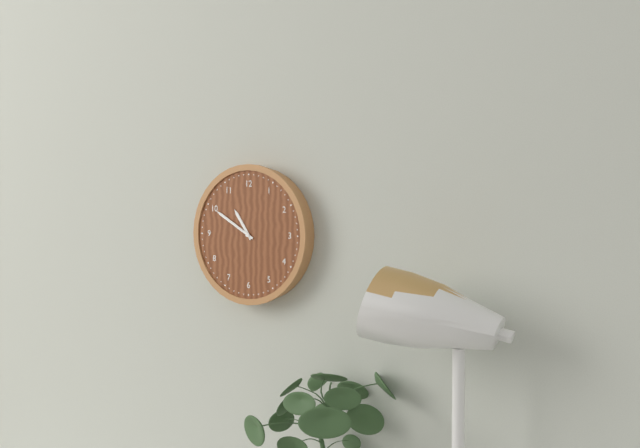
10.50
